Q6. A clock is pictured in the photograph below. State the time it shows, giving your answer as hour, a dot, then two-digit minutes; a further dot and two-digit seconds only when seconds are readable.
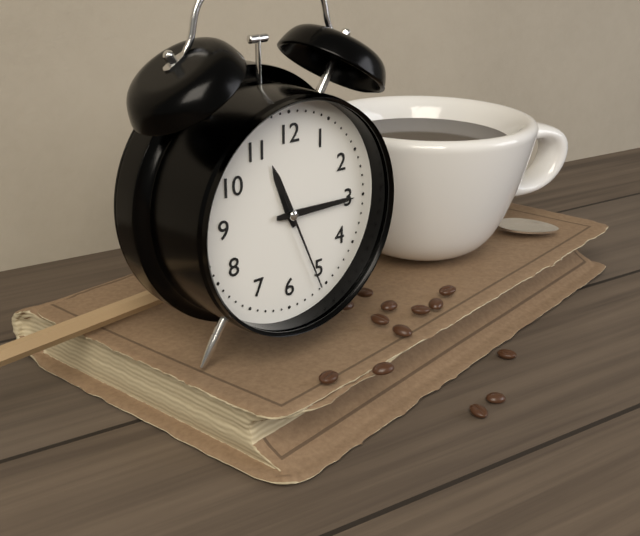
11.15.26
